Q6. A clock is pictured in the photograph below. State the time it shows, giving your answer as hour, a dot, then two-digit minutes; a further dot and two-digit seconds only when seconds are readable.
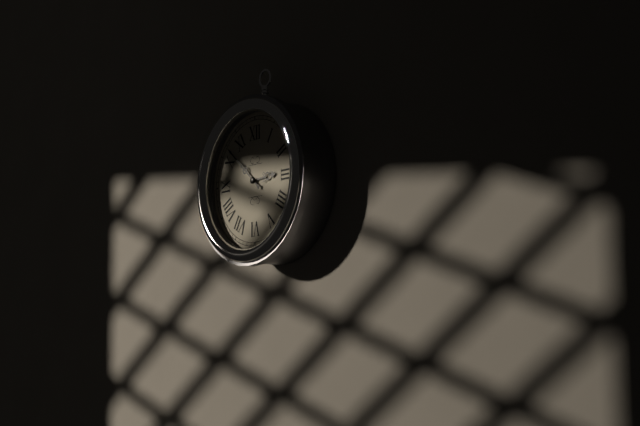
2.52
